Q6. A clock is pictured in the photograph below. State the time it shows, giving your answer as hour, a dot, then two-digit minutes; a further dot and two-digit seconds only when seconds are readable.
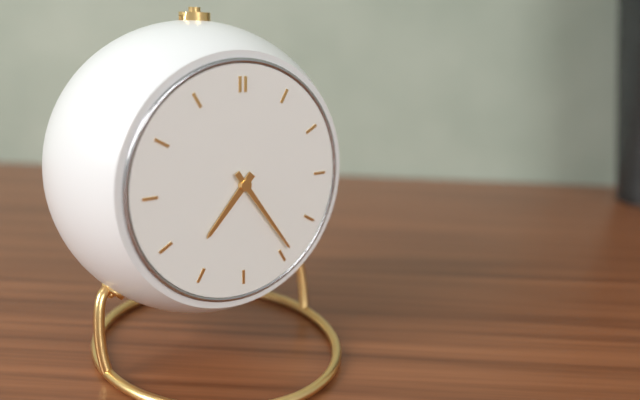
7.24
